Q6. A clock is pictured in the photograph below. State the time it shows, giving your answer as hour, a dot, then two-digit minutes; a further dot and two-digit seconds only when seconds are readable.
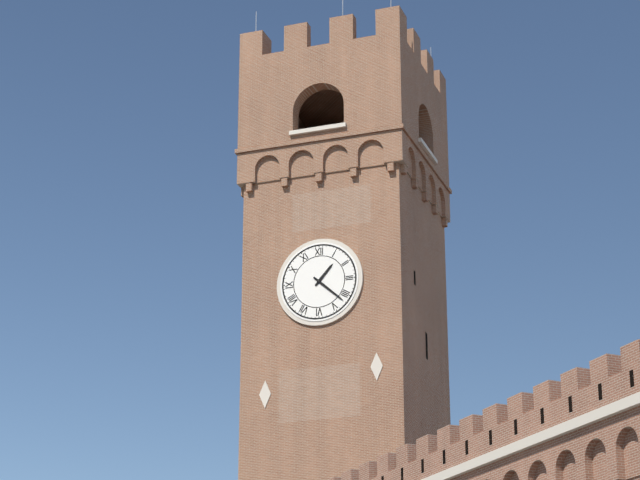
1.22
